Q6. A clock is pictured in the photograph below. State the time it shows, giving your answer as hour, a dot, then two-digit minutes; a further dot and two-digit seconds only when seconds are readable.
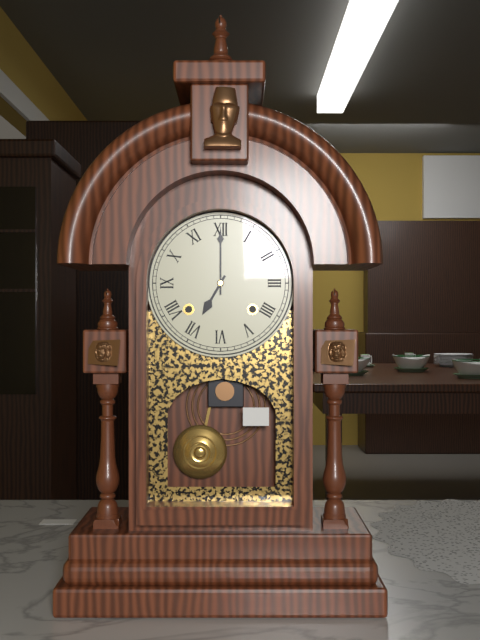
7.00
